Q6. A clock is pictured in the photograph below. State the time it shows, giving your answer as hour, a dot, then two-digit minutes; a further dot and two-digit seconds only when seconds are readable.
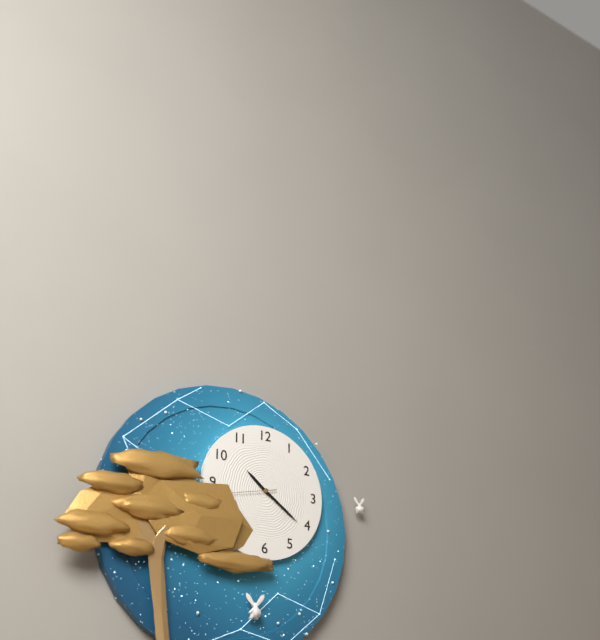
10.21.43
